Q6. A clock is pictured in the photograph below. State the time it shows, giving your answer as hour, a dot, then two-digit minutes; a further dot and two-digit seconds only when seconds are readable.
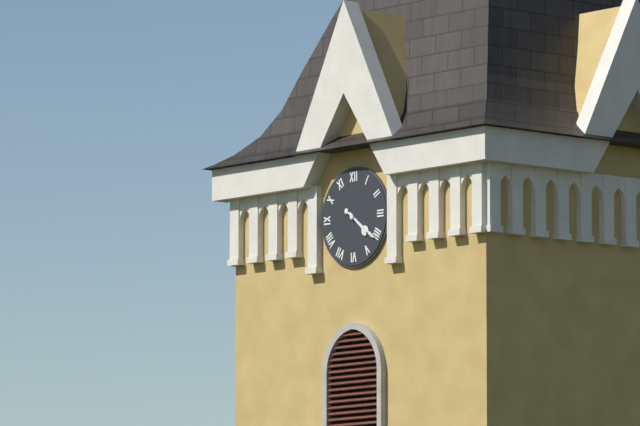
4.21
